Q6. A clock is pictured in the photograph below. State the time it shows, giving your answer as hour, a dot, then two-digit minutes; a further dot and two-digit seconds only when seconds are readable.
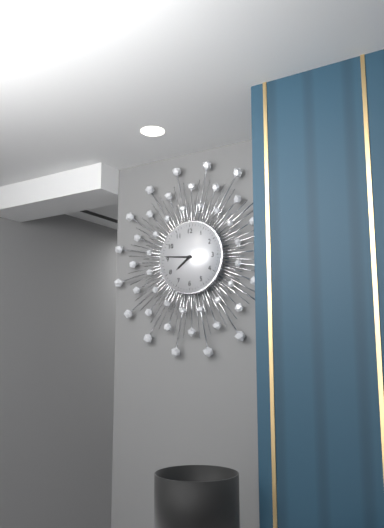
7.46
